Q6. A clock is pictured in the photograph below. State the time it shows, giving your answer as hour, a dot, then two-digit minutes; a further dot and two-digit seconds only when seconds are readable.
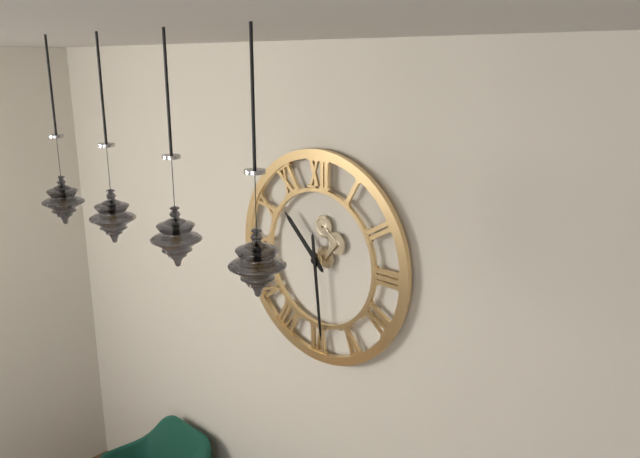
10.29
